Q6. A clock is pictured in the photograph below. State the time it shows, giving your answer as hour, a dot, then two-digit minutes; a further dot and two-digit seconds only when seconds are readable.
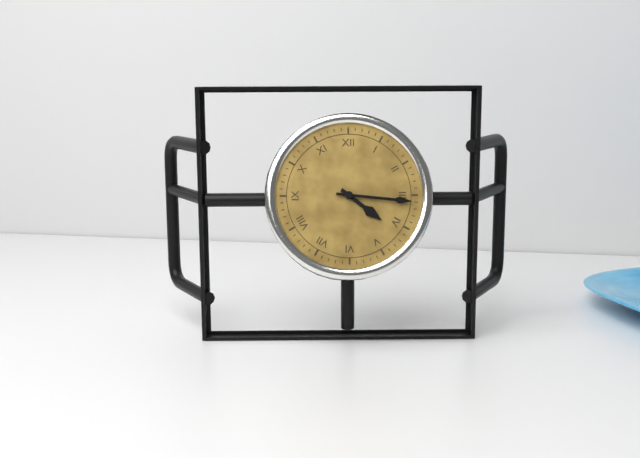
4.16
